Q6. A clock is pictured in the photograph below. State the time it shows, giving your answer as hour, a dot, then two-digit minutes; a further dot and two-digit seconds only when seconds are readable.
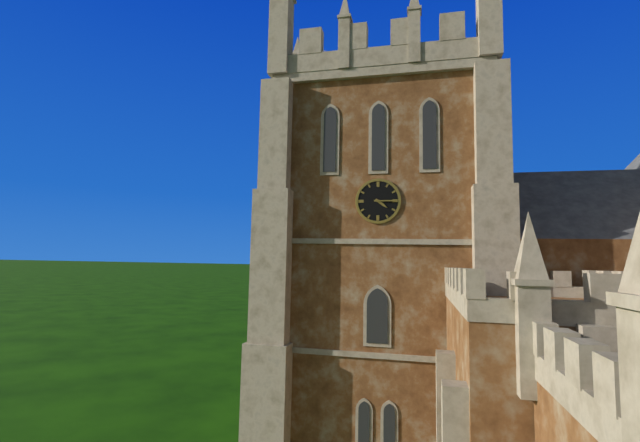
4.15
